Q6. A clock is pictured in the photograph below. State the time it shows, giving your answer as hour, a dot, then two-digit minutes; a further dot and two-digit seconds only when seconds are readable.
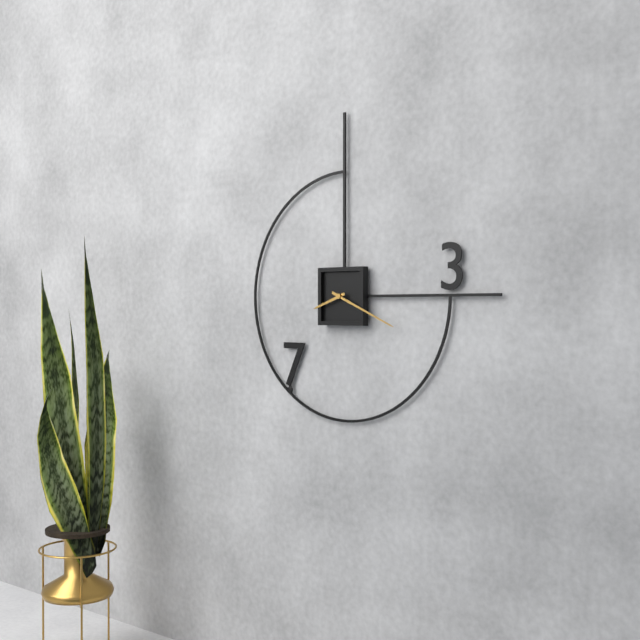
8.19
